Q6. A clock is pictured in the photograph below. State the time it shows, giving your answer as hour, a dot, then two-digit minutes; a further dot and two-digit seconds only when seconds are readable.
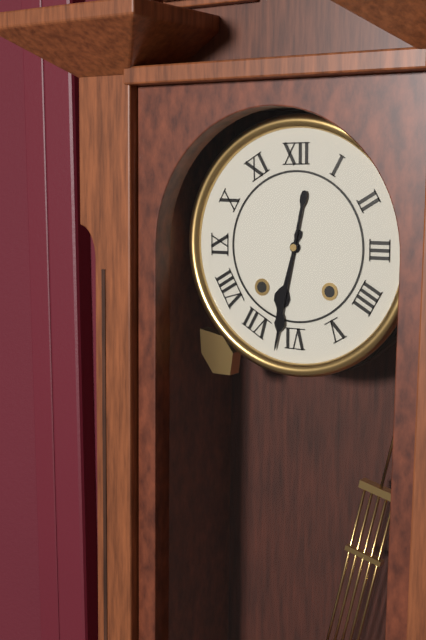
6.32
